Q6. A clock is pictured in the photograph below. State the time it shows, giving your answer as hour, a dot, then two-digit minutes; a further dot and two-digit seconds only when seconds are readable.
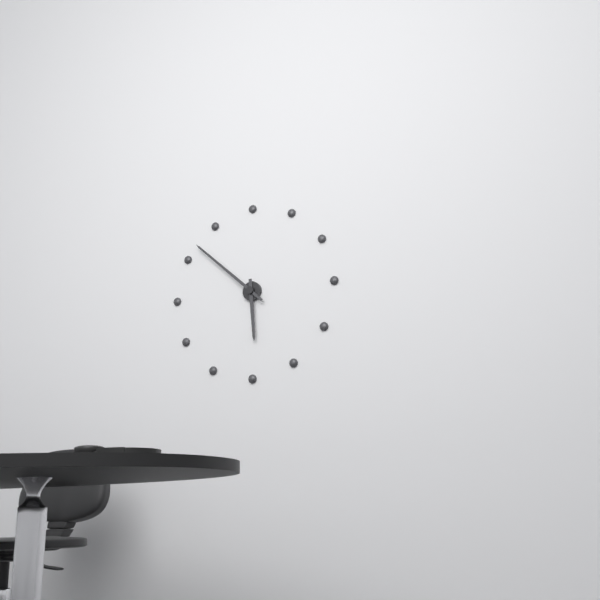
5.52
